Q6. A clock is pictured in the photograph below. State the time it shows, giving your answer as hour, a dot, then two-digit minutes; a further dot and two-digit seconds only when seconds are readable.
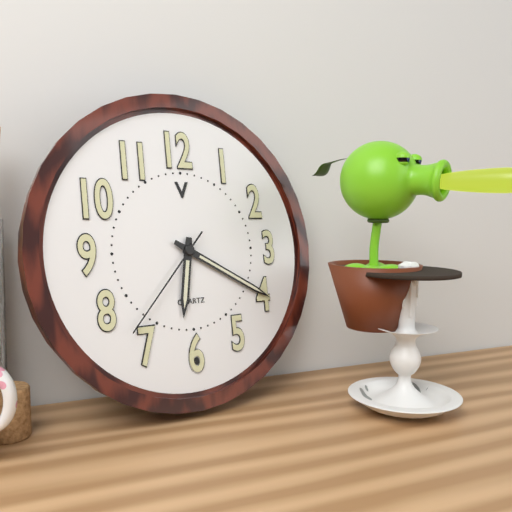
6.20.37
